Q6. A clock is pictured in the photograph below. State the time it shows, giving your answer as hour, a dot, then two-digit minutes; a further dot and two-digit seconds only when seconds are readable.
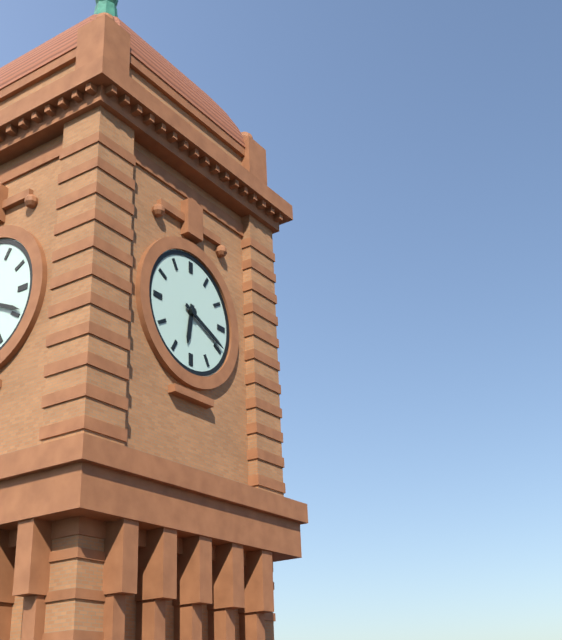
6.19
